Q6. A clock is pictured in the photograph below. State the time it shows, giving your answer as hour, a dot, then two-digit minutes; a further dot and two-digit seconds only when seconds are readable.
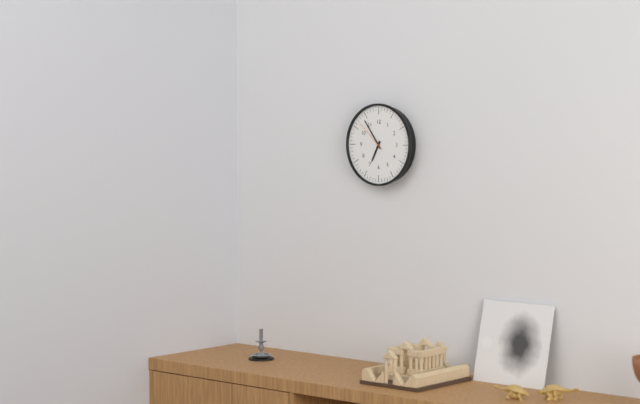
6.54
